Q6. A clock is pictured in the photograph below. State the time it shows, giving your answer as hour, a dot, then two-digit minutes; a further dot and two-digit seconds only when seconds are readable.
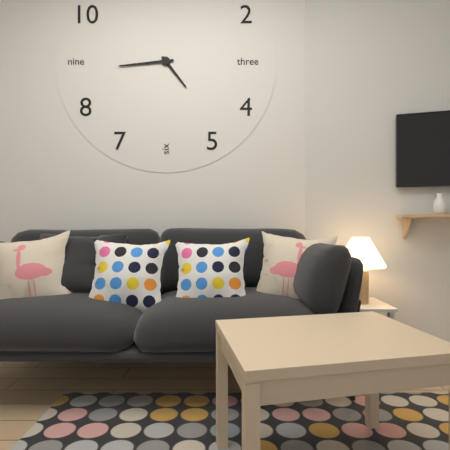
4.44
